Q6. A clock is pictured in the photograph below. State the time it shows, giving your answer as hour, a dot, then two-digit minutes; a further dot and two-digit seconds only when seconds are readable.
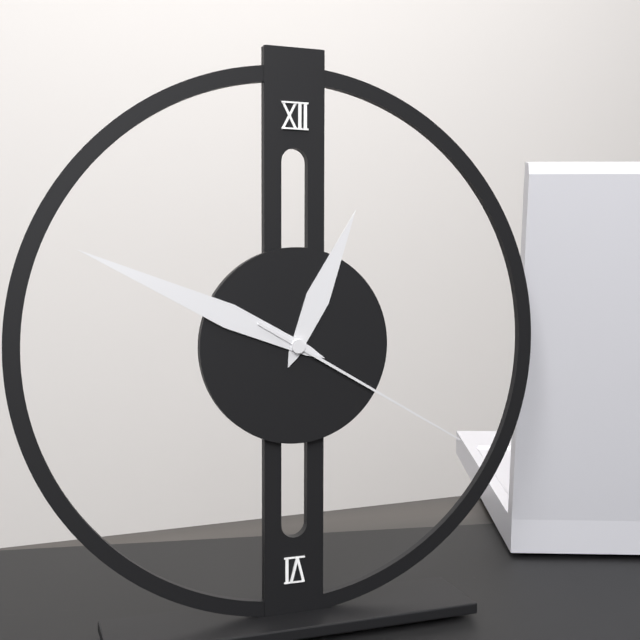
12.49.20
